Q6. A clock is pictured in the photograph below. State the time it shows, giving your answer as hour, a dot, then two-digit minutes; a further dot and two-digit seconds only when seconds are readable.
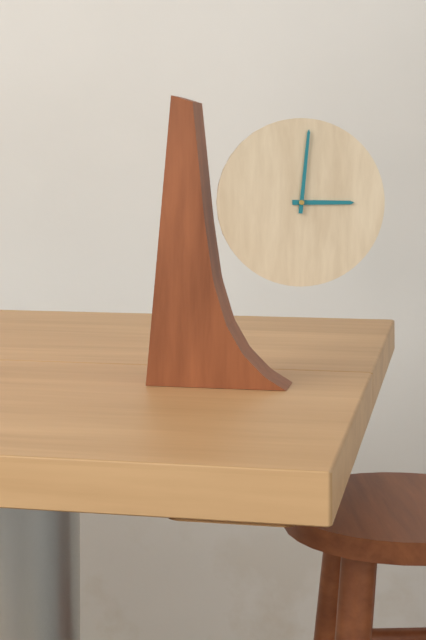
3.01
